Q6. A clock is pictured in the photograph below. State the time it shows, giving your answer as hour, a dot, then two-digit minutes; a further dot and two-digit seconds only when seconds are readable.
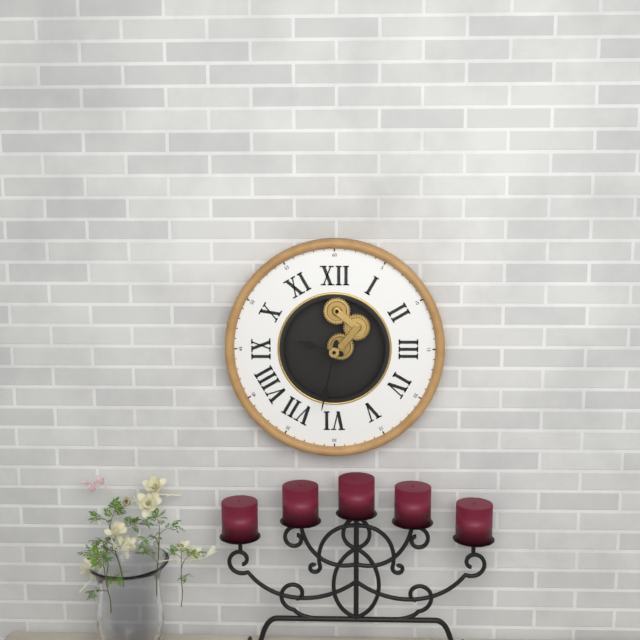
9.32
